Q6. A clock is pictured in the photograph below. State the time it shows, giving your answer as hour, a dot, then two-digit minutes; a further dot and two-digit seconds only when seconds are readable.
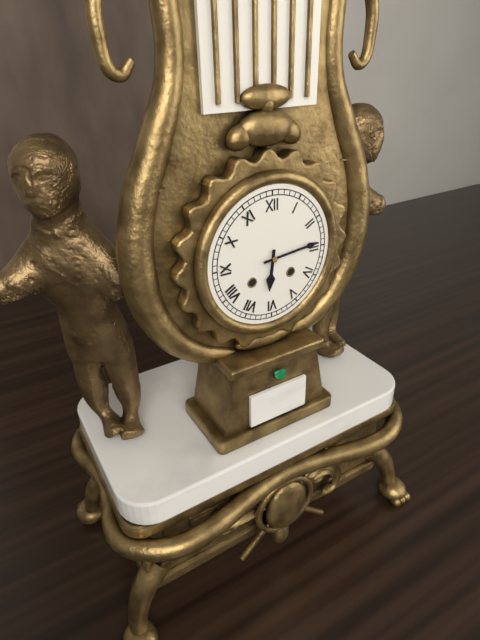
6.14
